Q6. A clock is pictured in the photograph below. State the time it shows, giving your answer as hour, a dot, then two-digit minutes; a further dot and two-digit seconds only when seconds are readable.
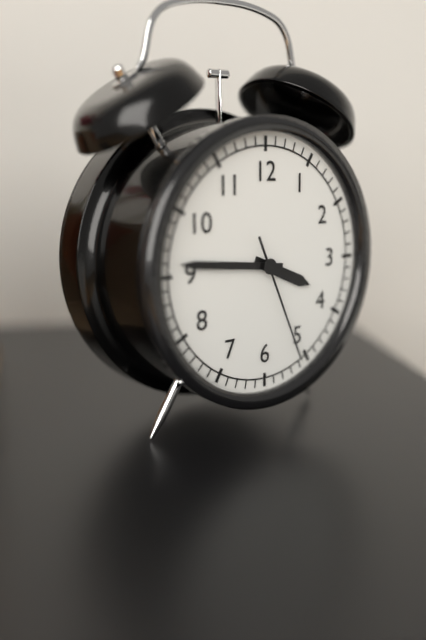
3.46.26
